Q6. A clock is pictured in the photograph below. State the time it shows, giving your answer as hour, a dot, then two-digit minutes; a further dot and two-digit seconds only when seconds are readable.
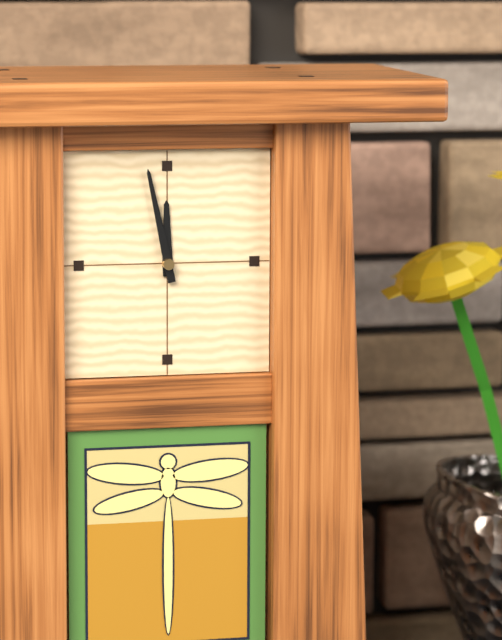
11.58
